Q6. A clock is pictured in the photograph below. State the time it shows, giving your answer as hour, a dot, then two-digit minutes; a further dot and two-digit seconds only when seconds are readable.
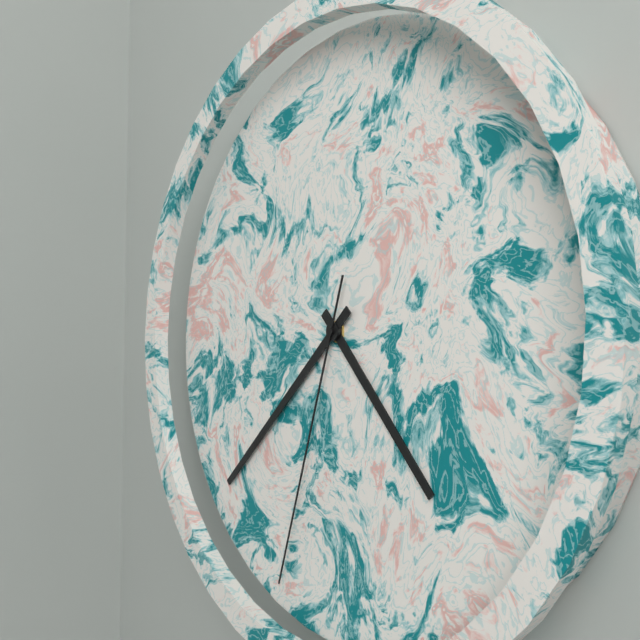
4.38.33
